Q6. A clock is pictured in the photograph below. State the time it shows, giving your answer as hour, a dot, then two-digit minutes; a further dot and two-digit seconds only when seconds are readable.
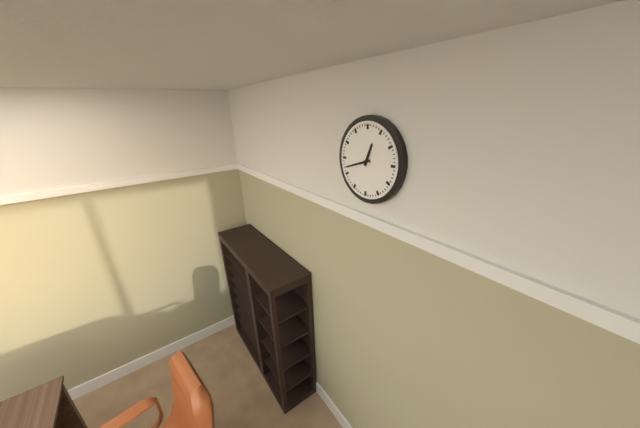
12.42
